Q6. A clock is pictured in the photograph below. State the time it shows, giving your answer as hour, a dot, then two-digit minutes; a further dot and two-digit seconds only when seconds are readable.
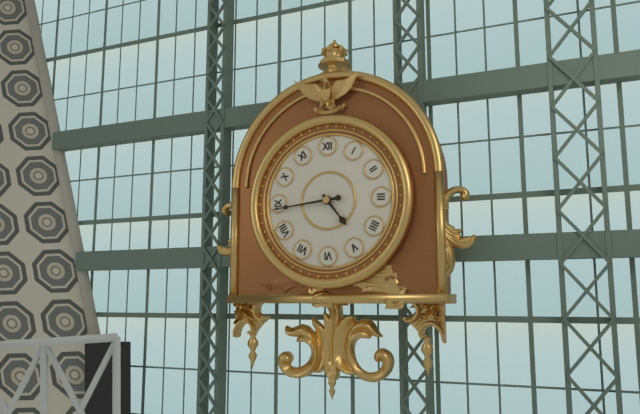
4.44
